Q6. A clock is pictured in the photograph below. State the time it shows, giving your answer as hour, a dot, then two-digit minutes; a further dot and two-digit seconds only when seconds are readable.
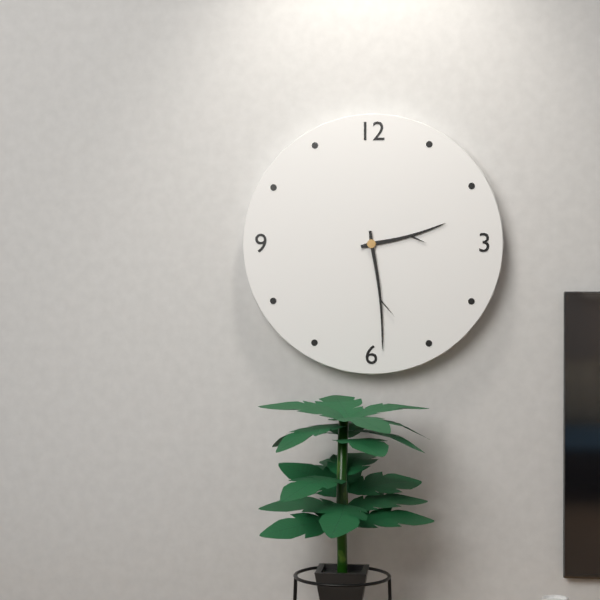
2.29
